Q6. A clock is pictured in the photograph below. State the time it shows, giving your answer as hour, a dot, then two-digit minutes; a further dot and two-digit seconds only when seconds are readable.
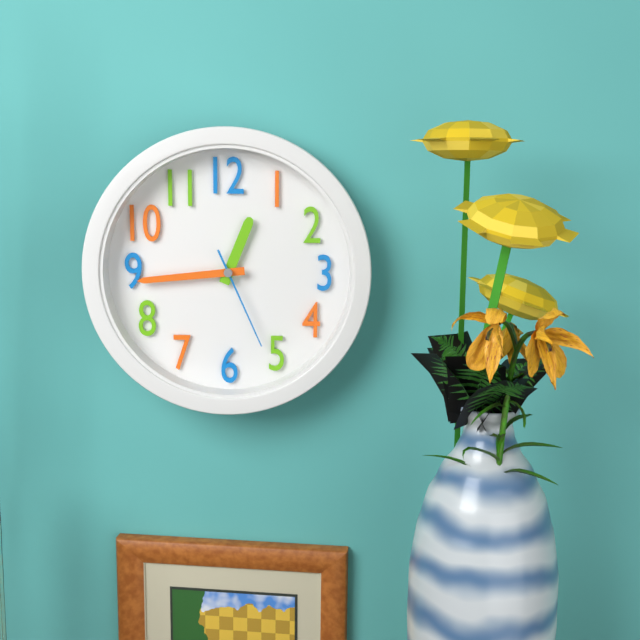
12.44.26
